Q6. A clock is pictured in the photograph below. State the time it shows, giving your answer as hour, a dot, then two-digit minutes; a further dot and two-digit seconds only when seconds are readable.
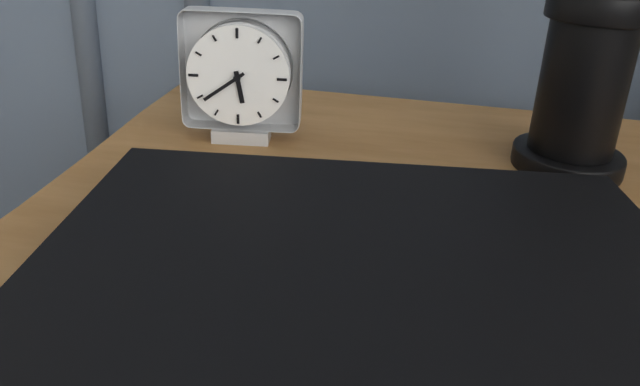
5.39
